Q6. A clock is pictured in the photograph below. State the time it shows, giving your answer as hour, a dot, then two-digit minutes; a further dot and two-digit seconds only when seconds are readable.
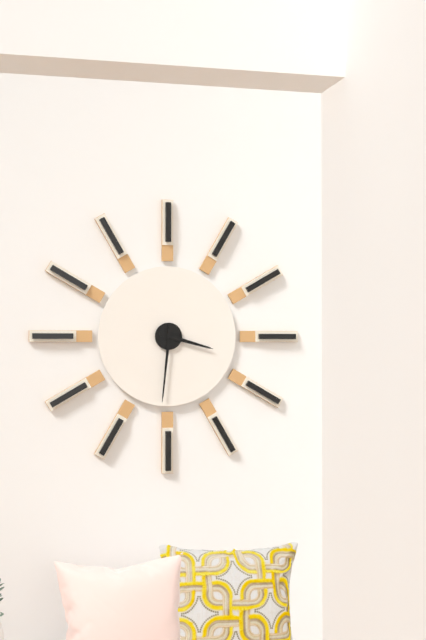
3.31
